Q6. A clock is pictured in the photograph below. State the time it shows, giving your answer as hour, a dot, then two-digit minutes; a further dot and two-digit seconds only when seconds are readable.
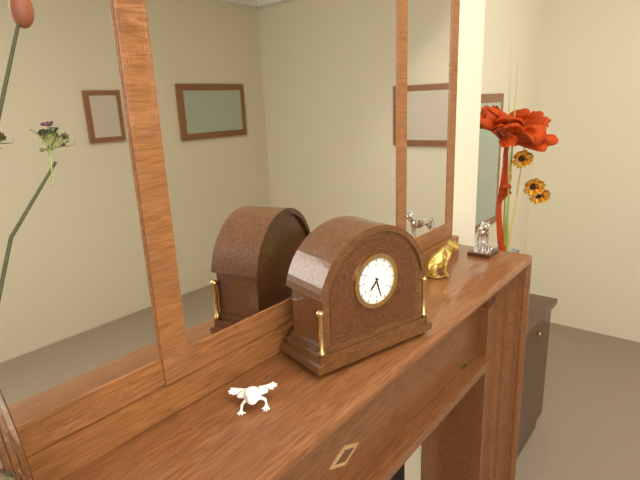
7.27
